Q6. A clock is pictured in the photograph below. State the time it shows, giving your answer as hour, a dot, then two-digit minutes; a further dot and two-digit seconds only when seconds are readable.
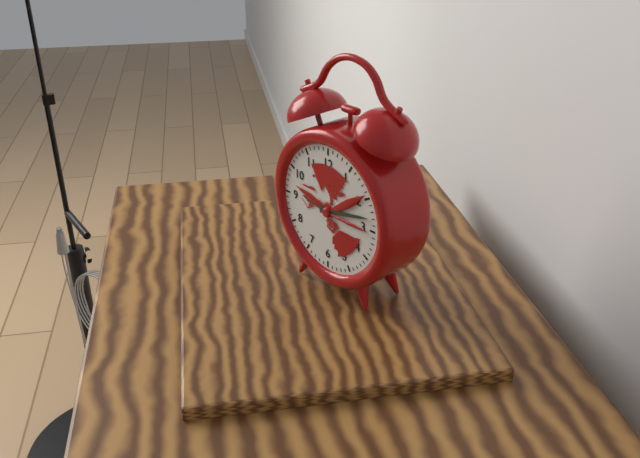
9.13
